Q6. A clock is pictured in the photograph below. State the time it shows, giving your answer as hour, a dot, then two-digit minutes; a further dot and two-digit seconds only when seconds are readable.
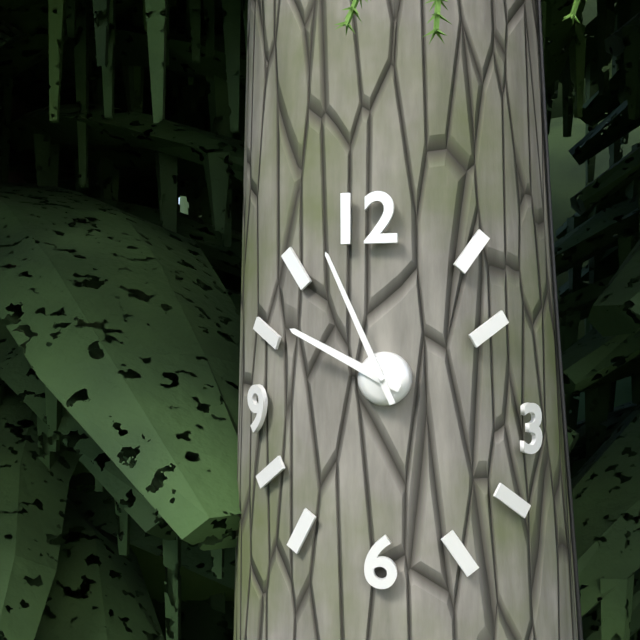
9.56
